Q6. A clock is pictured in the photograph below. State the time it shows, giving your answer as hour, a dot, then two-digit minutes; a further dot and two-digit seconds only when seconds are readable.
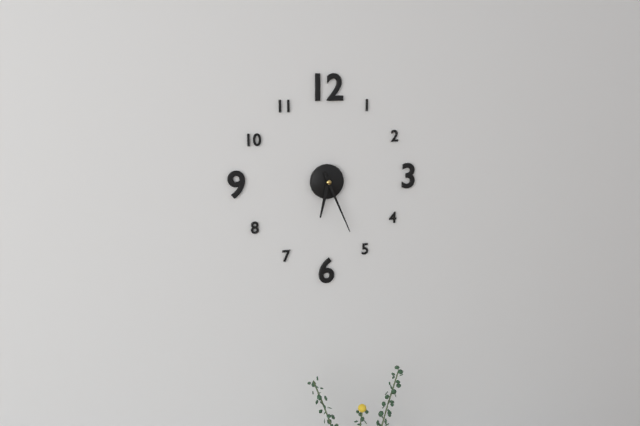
6.26
